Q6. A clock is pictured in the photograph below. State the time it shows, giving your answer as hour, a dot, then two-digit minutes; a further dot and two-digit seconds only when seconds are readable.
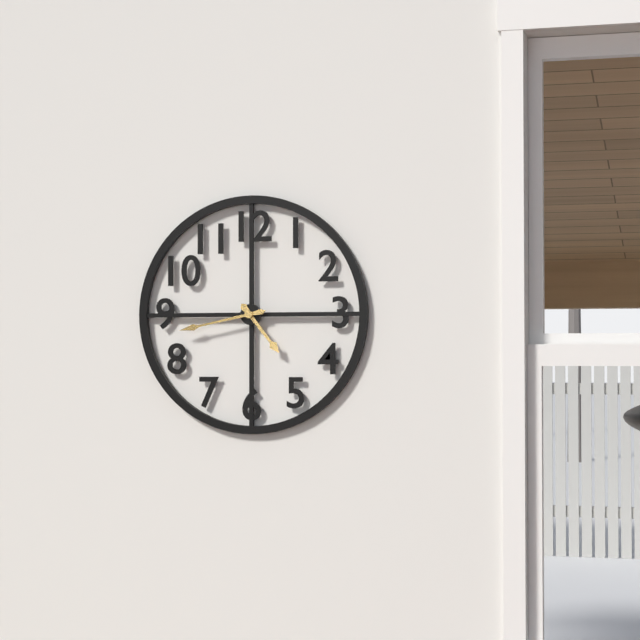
4.43
